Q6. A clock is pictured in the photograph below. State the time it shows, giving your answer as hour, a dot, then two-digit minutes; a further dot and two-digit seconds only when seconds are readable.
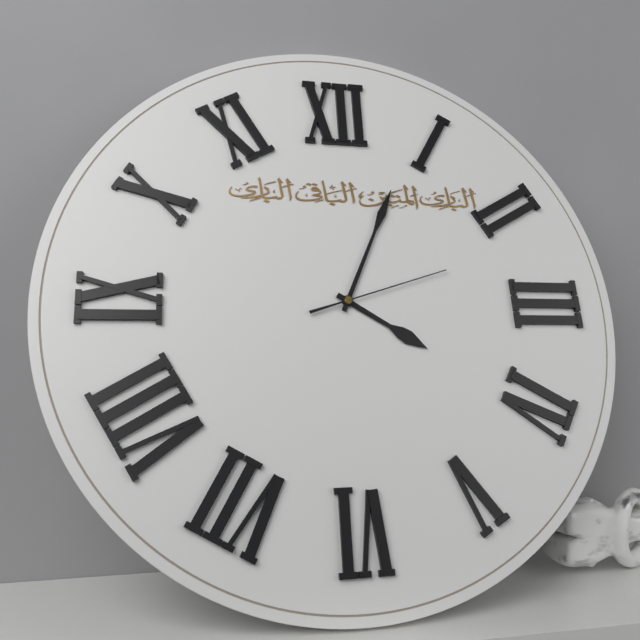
4.04.12
